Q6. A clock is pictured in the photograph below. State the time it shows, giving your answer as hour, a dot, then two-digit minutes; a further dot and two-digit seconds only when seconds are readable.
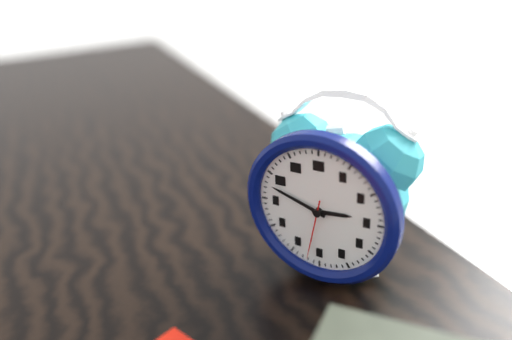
2.48.32
